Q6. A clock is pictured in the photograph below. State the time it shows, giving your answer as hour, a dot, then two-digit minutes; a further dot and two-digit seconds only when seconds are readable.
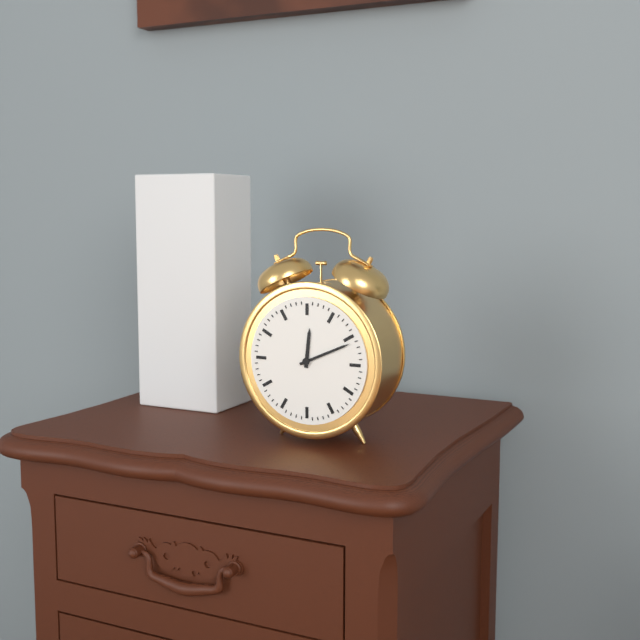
12.11
